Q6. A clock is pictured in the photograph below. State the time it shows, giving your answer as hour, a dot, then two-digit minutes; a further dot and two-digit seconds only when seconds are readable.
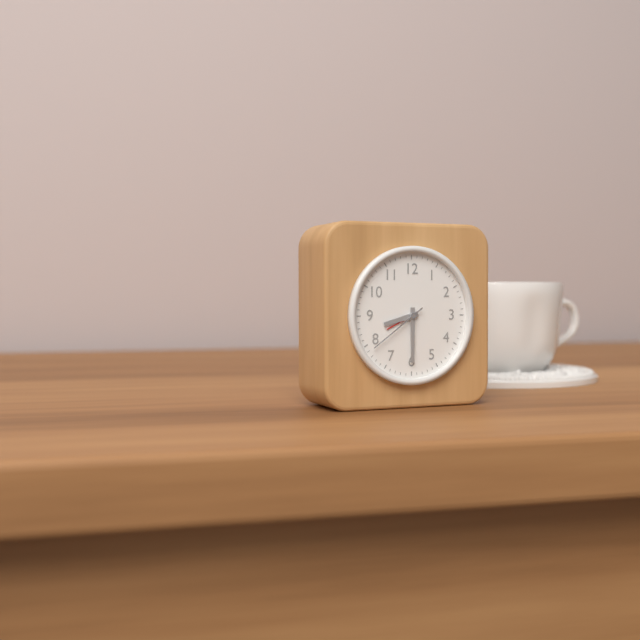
8.30.39
